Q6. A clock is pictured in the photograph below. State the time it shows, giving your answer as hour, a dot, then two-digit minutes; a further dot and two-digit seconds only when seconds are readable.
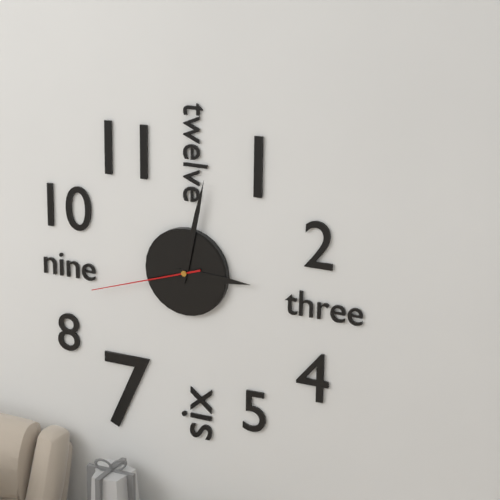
3.02.42
